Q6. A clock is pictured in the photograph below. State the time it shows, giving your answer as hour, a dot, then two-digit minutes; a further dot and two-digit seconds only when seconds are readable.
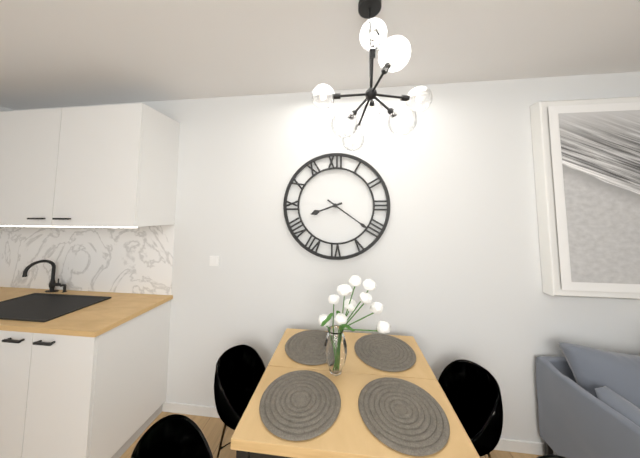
8.21
